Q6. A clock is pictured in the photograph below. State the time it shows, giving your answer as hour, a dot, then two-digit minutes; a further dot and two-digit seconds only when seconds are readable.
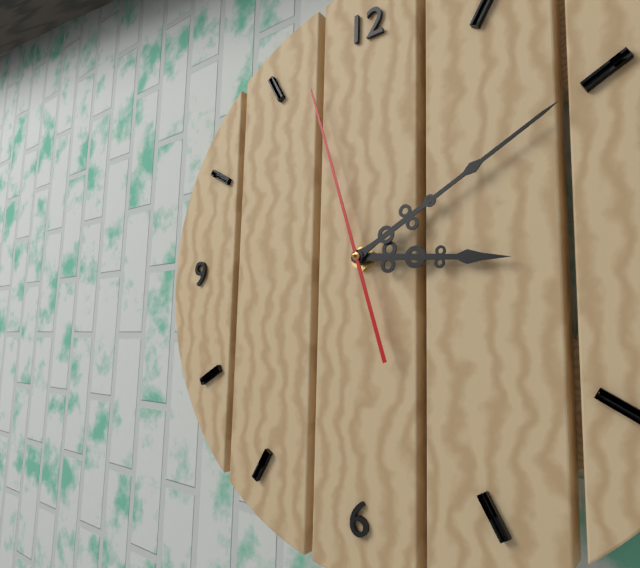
3.10.57
